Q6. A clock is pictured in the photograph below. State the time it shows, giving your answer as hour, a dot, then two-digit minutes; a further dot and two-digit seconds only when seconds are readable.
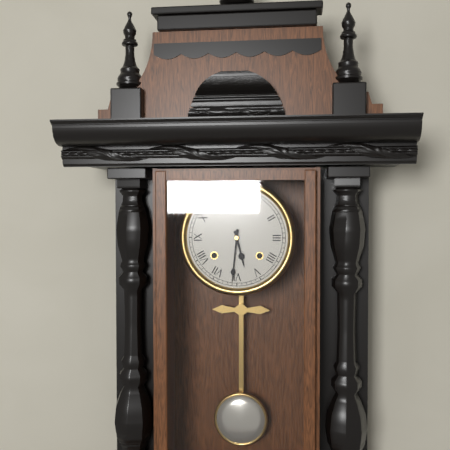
5.31
